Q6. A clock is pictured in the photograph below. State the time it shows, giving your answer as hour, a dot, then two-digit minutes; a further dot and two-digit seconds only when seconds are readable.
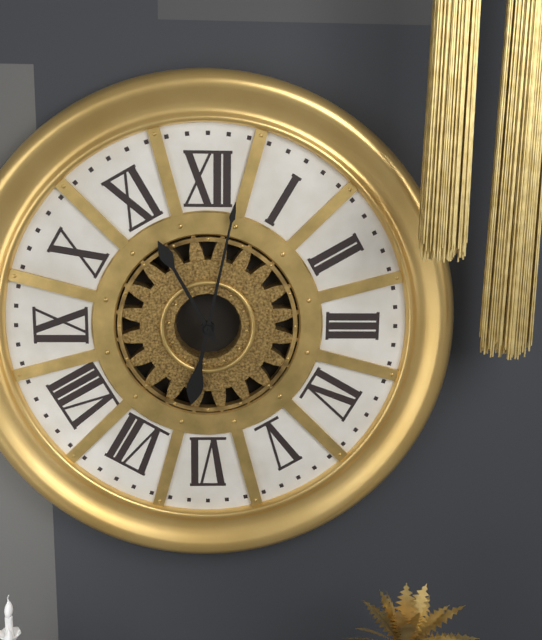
11.02
